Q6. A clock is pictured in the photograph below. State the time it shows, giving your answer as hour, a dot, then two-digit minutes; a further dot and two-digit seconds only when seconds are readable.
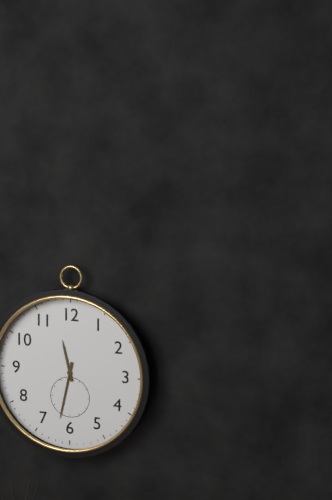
11.32
